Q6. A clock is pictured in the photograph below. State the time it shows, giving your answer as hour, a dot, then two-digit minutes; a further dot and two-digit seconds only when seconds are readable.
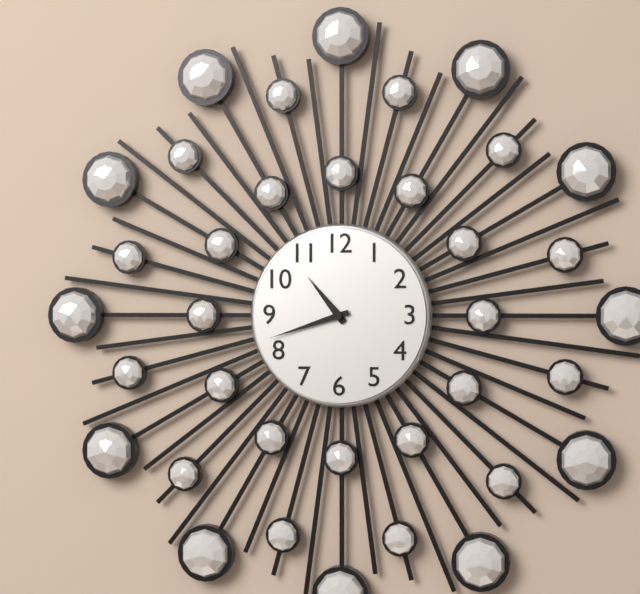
10.42
